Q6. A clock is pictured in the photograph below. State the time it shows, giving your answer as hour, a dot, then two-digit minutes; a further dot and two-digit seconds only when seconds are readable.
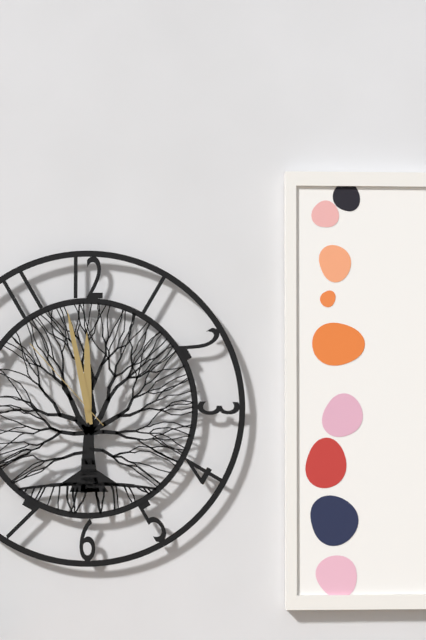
11.58.53
